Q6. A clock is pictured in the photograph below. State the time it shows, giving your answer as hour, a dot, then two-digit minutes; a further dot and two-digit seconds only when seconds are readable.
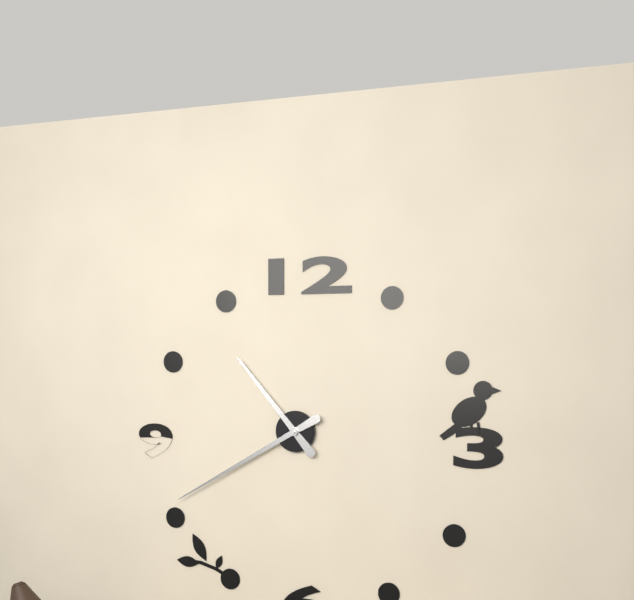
10.40
